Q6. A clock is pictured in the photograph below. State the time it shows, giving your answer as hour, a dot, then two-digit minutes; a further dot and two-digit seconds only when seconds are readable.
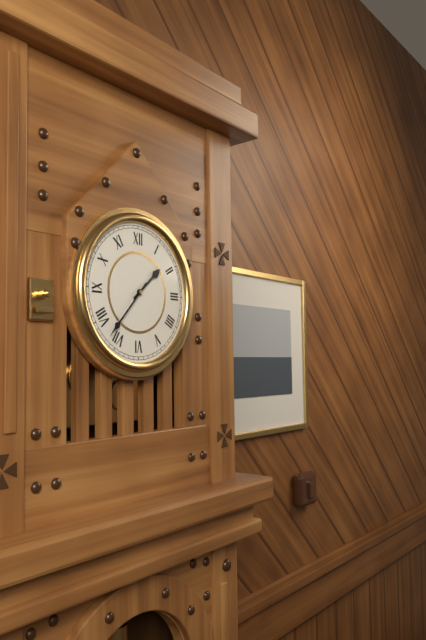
1.37
